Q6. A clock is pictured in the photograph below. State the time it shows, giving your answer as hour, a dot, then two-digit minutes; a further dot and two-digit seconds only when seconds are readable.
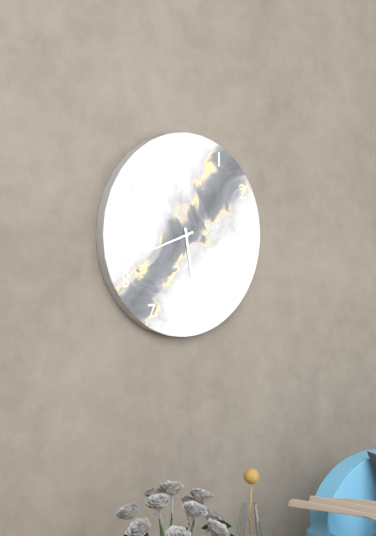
5.42
